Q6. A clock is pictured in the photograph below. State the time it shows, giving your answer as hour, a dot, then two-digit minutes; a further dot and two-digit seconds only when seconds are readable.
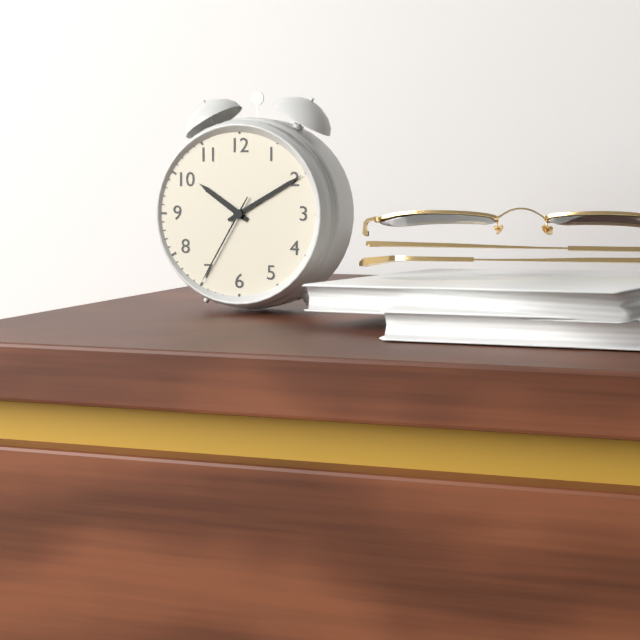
10.10.35
